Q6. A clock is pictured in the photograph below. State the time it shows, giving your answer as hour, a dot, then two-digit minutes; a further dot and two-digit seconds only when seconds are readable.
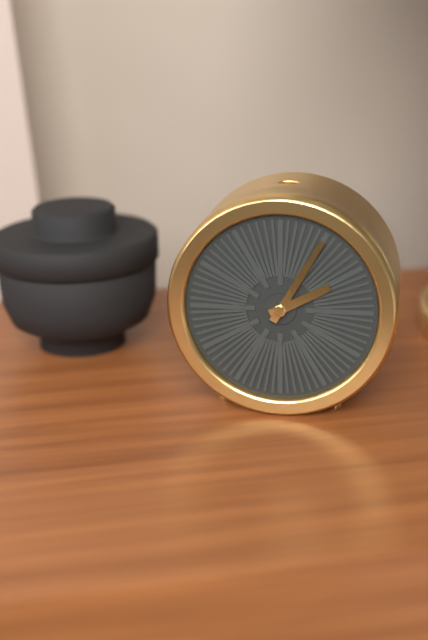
2.05
